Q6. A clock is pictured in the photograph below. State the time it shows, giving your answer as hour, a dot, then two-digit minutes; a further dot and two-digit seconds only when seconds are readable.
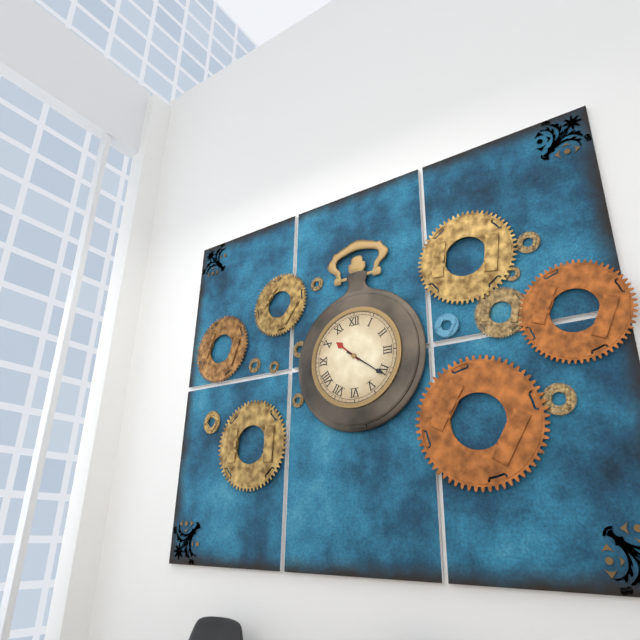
10.21
